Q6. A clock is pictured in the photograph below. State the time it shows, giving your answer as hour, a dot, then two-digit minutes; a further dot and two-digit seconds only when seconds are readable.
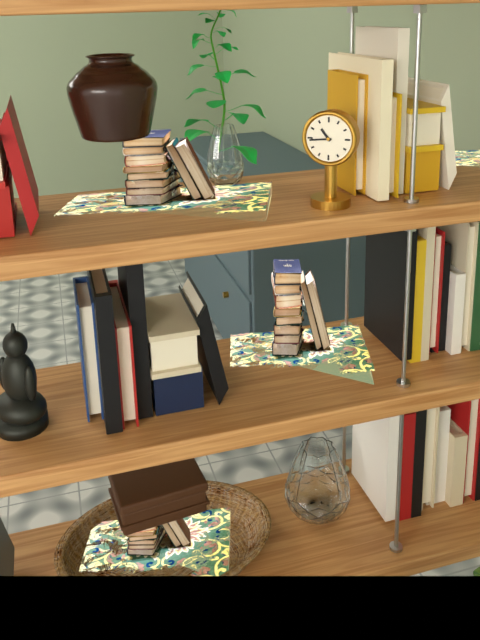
10.44
